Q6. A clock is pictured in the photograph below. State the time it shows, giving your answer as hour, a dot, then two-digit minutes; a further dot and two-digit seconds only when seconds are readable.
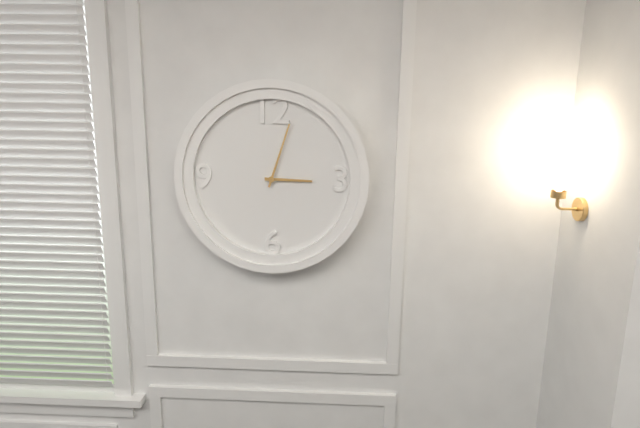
3.03
